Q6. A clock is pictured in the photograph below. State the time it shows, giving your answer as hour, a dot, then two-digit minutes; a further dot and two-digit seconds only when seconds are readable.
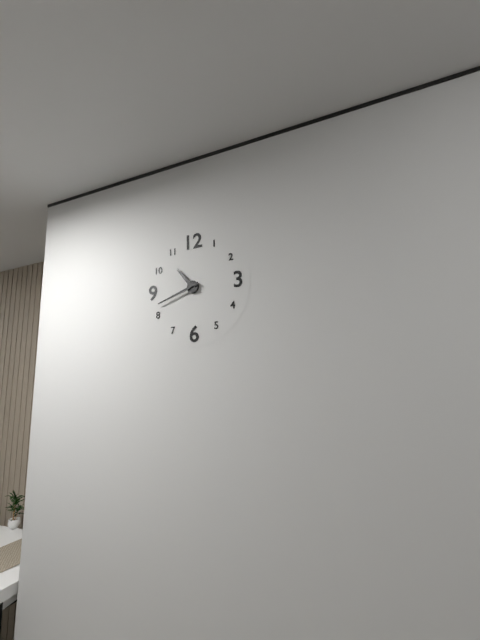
10.42
